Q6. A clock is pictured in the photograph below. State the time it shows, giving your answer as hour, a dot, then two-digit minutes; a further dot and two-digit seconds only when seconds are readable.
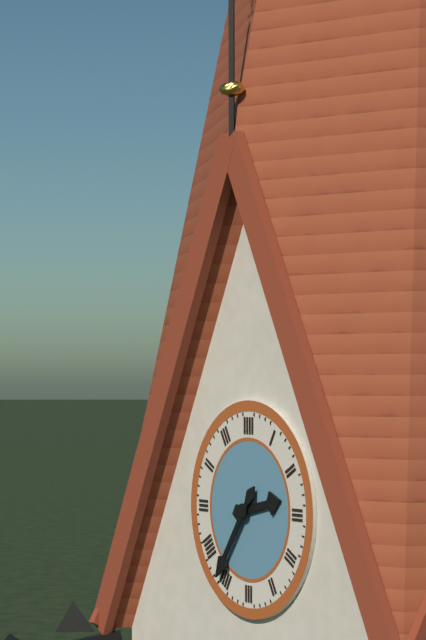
2.36
